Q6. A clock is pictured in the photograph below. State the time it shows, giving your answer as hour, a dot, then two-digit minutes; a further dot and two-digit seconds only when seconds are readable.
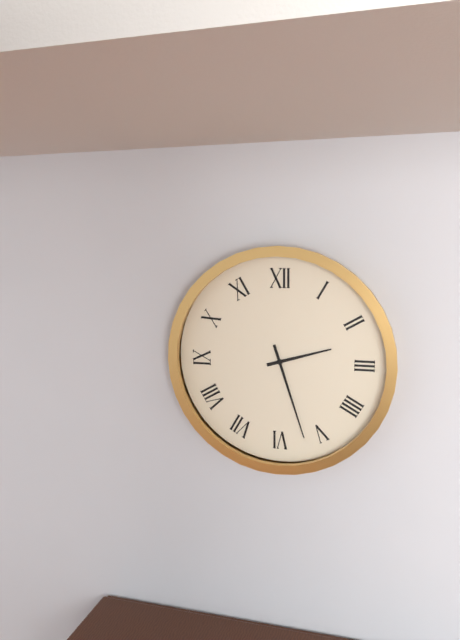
2.27
